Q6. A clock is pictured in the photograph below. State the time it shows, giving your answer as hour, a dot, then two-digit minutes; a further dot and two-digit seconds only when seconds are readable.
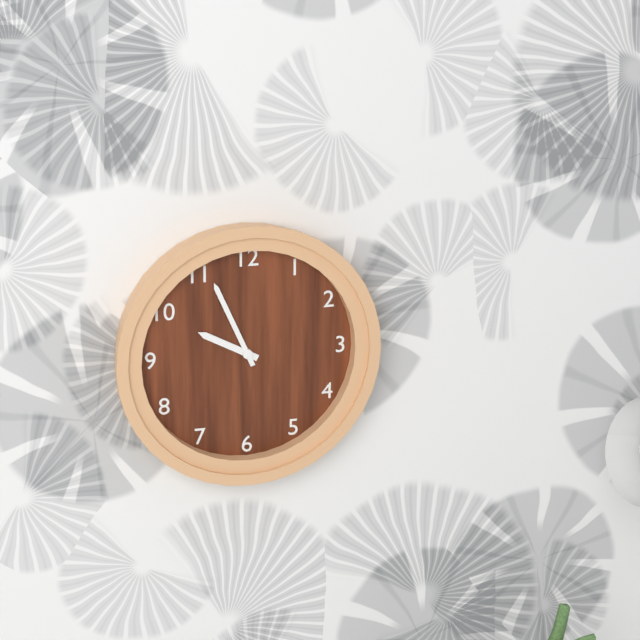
9.56
